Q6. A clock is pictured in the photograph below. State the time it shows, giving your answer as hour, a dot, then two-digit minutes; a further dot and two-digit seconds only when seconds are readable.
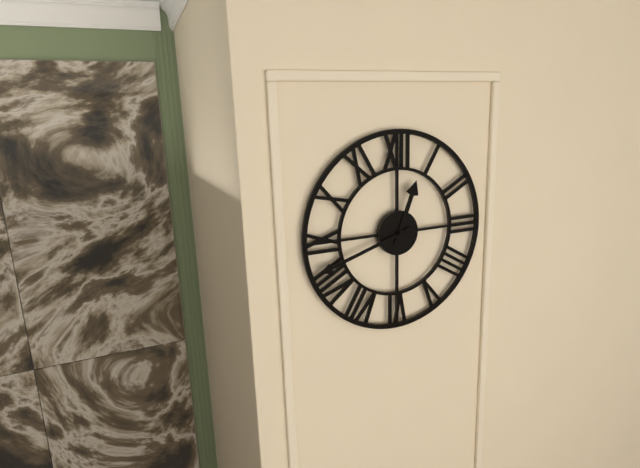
12.42
